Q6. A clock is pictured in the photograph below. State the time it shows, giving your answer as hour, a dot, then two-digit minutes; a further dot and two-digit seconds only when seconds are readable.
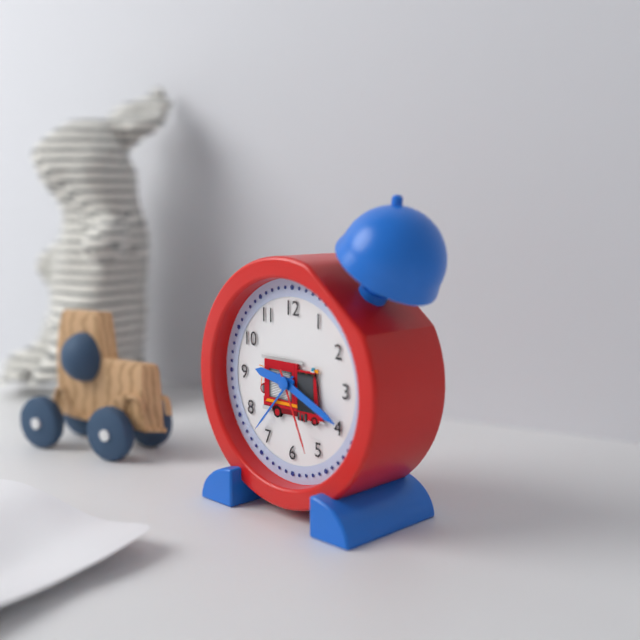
9.19.26
